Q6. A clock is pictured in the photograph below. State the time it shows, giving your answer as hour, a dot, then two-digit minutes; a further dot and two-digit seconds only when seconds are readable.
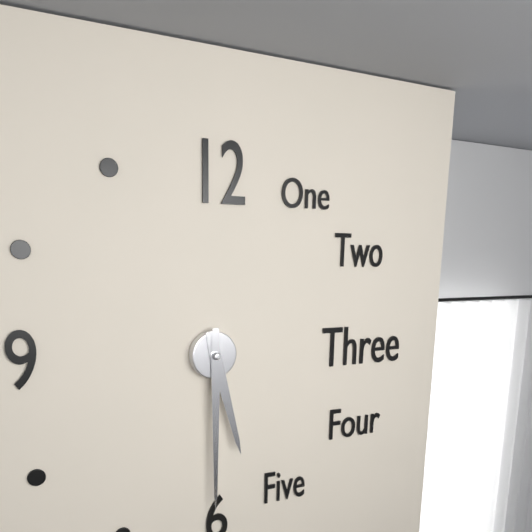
5.30
